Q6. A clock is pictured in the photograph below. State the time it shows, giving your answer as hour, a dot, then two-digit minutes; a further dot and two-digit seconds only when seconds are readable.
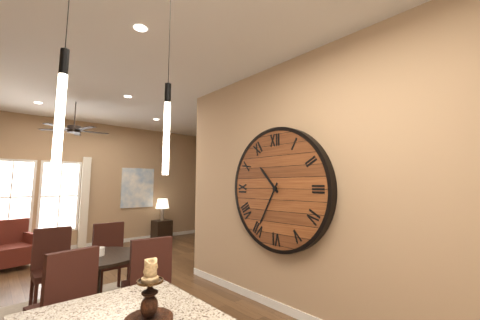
10.35
